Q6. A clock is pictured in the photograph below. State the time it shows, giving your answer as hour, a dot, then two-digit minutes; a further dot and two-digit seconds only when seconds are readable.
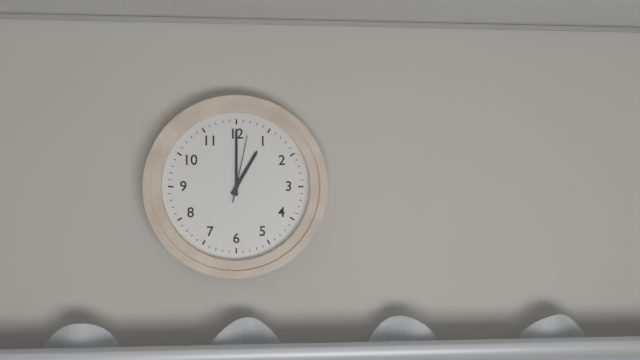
1.00.02
